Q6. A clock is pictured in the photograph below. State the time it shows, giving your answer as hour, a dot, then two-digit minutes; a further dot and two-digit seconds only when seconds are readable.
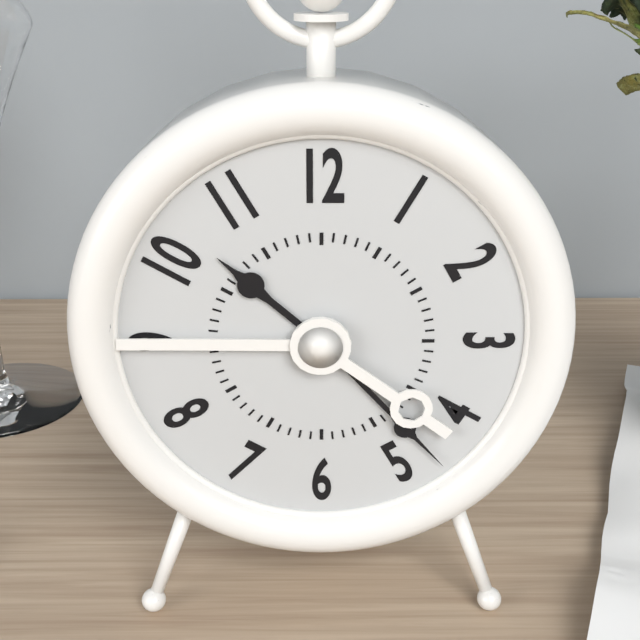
10.23
